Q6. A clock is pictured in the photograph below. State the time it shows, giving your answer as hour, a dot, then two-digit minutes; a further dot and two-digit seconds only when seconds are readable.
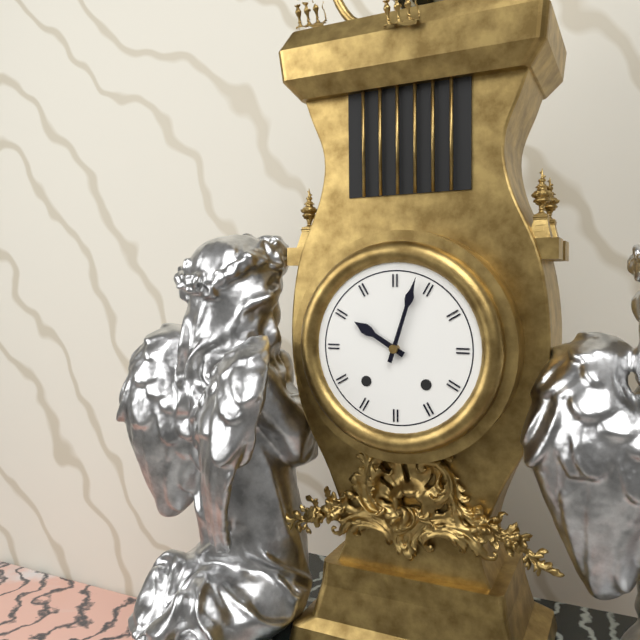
10.03
